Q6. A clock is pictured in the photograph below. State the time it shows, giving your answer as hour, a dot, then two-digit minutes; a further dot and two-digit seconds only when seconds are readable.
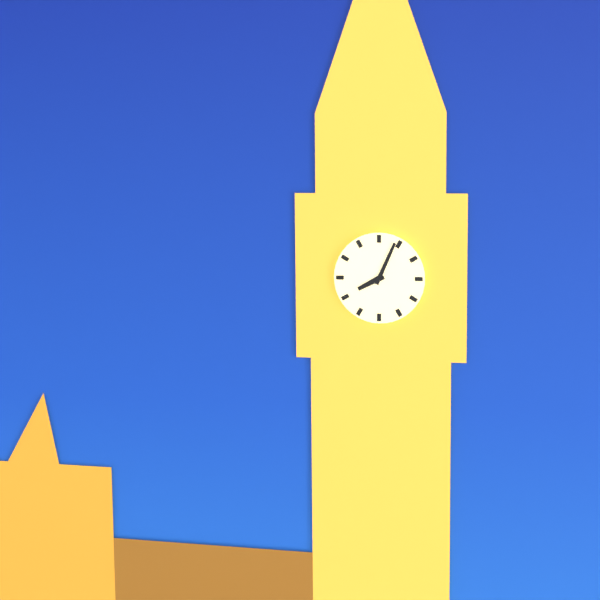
8.04
